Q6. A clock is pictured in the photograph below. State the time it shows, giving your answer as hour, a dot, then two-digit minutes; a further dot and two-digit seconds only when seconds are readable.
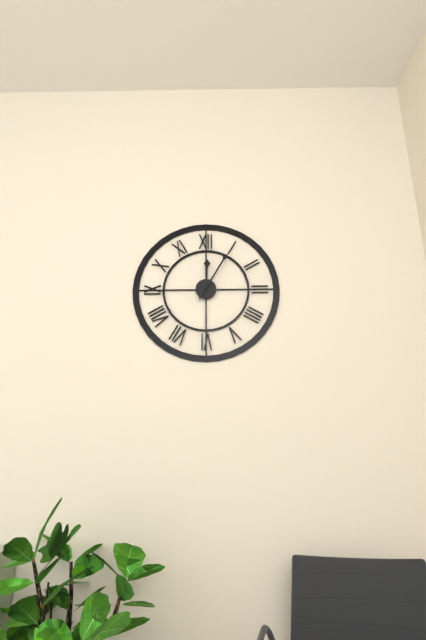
12.05
